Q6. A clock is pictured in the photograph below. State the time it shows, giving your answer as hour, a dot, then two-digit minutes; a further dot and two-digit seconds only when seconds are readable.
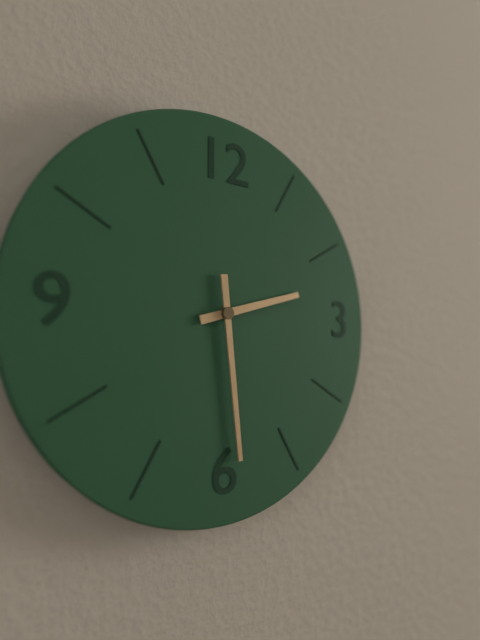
2.29
